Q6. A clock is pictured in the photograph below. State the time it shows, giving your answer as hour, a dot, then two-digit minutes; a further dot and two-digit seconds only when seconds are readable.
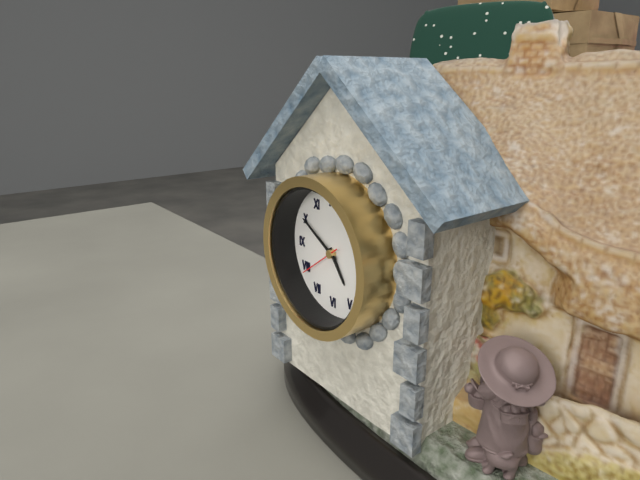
4.50
